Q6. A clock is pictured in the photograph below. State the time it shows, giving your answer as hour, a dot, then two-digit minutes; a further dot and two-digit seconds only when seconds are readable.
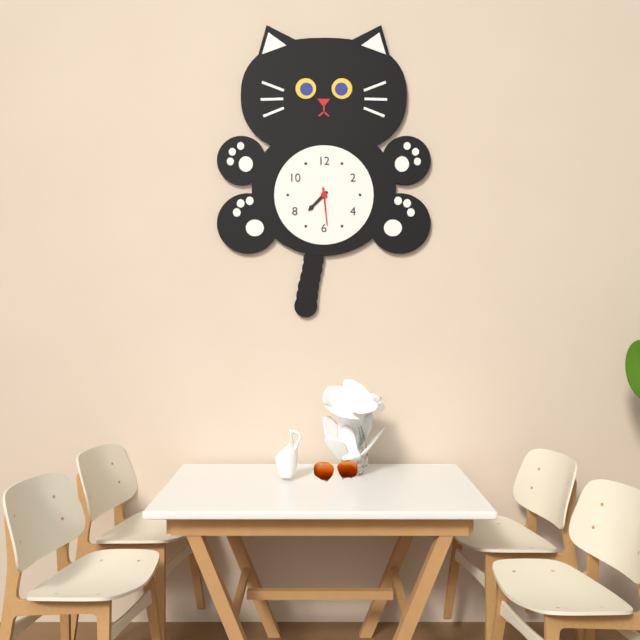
7.29
